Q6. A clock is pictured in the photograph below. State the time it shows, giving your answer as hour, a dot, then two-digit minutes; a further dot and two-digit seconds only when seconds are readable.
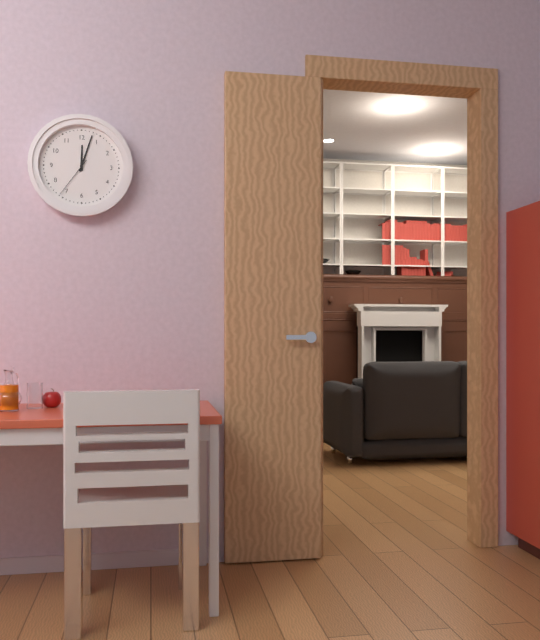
12.03
